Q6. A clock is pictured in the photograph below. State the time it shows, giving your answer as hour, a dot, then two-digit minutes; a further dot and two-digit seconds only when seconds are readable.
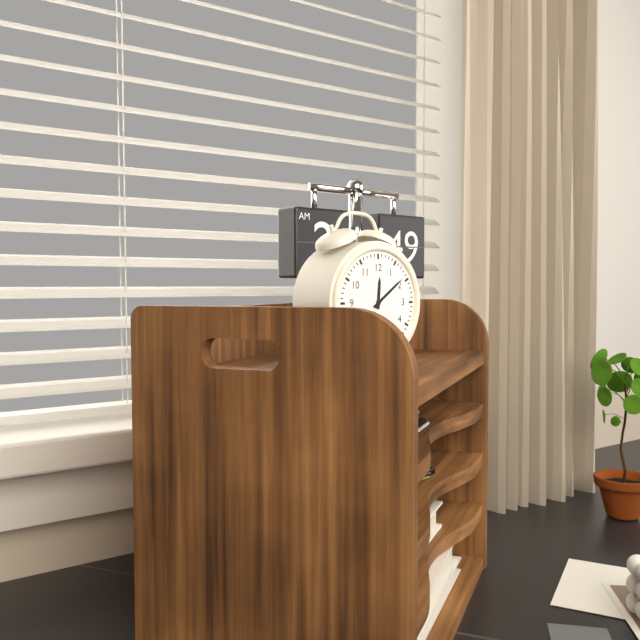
12.09
